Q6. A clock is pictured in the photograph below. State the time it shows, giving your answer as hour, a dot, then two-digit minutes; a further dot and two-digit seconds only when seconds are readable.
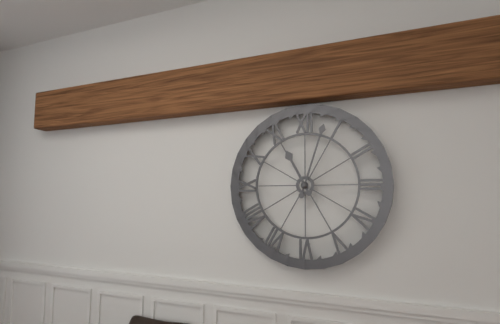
11.03
